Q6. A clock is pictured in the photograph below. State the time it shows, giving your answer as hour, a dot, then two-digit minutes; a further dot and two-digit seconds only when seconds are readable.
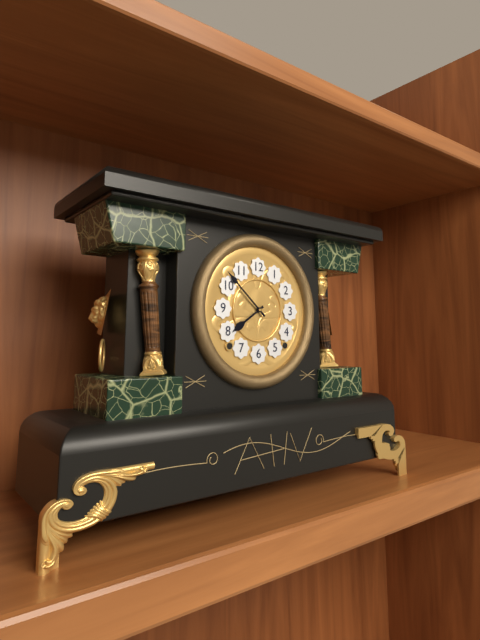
7.52
